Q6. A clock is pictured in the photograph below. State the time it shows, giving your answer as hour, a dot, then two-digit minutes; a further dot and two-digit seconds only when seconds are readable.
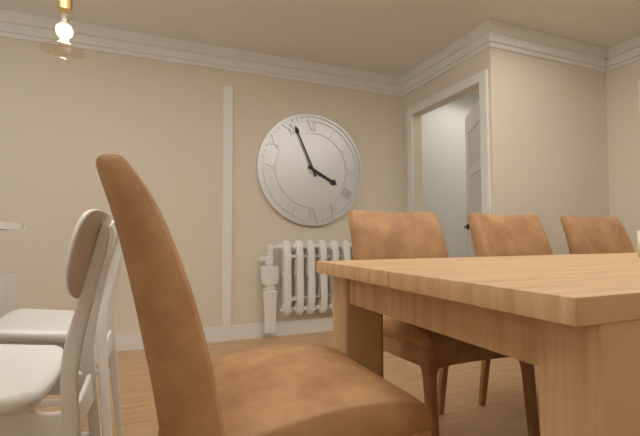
3.56
